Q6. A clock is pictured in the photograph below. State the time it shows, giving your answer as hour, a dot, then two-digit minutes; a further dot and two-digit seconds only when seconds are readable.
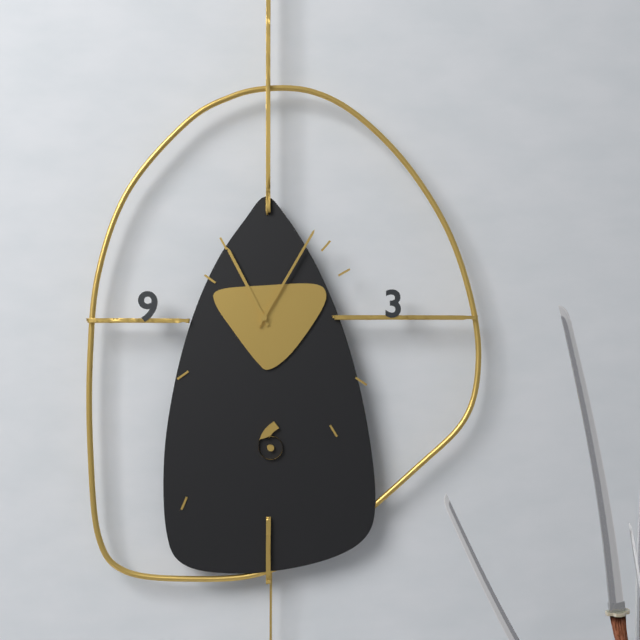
11.05
